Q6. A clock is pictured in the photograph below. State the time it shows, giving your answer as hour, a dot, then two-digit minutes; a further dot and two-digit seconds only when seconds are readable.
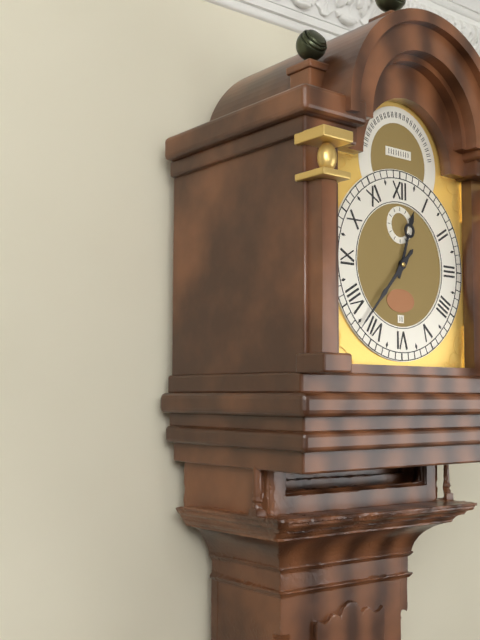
12.37
